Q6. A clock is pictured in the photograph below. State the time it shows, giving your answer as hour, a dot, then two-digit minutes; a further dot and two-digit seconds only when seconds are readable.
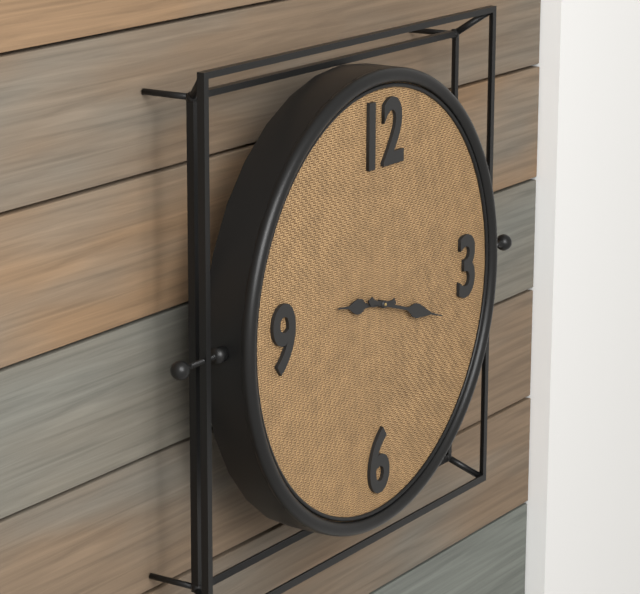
9.18
